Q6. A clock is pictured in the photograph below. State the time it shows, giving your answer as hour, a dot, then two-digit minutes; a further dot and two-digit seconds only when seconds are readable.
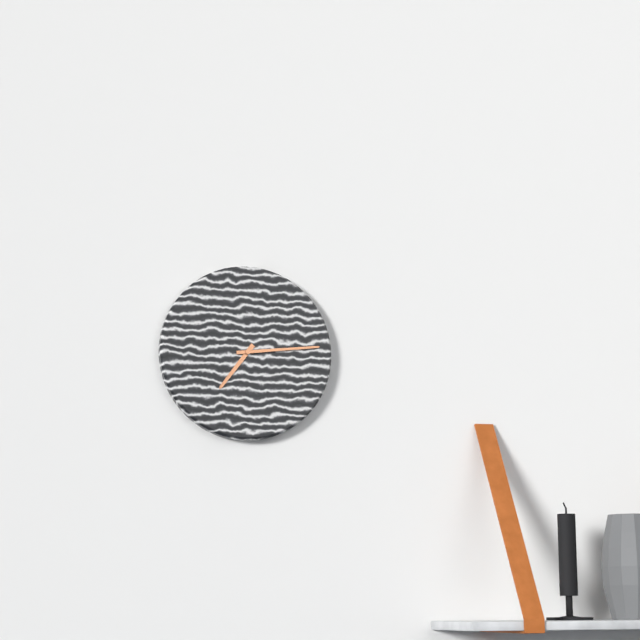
7.14
